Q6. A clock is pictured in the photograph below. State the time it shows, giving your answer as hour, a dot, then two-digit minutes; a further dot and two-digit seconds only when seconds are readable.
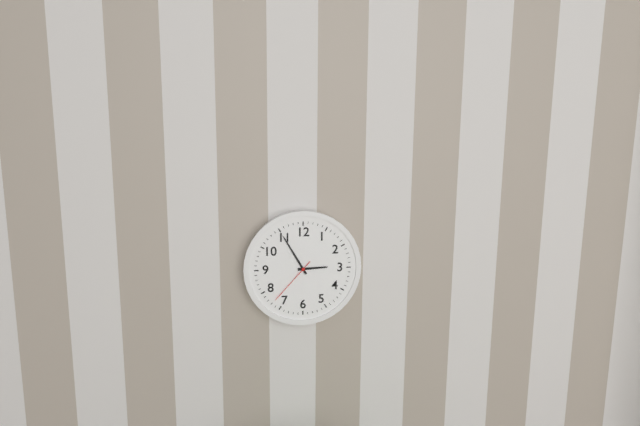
2.55.37
